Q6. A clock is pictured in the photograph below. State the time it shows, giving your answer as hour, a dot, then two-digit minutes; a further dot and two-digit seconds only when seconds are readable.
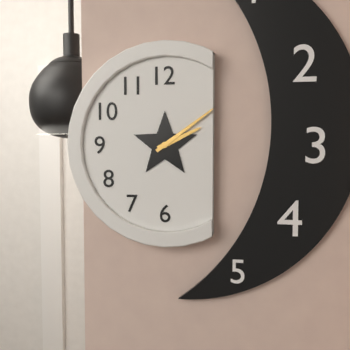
2.09
